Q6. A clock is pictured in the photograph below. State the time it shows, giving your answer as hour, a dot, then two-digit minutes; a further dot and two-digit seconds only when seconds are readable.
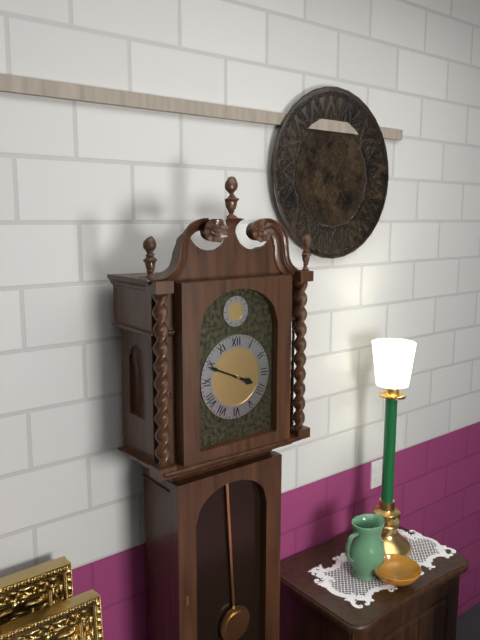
3.49
